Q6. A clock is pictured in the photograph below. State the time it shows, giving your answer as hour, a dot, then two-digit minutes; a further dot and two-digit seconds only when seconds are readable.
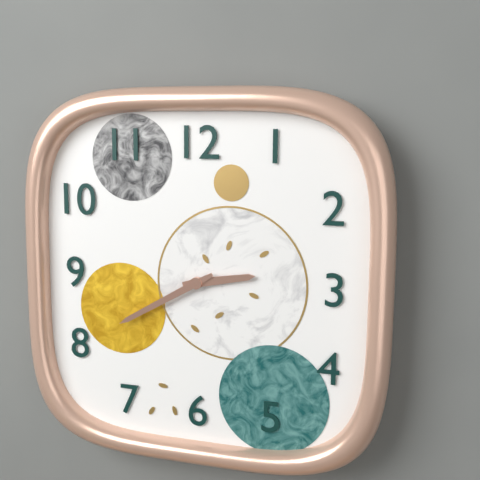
2.40
